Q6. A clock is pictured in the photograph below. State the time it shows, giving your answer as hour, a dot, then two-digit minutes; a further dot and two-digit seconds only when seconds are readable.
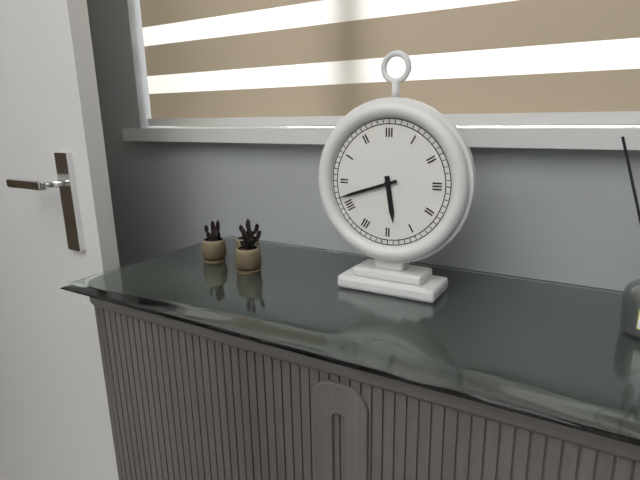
5.42
